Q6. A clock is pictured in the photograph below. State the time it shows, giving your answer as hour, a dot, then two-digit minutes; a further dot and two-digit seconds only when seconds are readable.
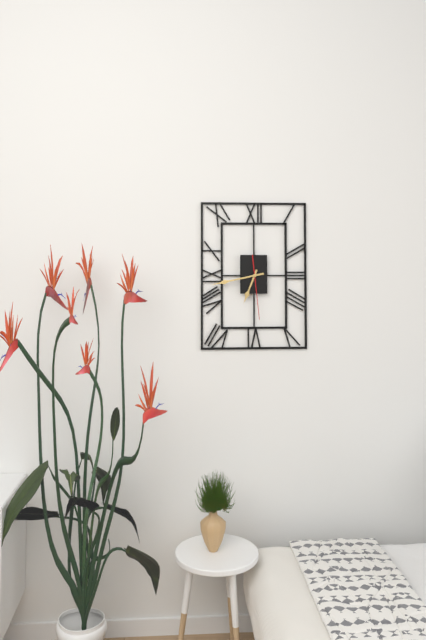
6.43.29
